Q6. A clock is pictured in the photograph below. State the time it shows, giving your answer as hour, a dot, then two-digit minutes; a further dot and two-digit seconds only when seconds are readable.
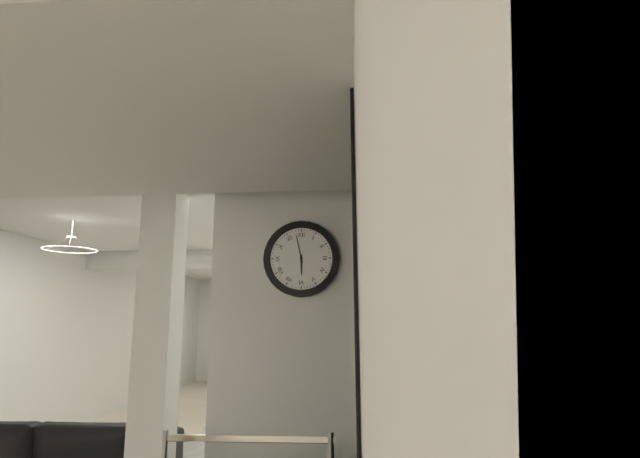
5.58
